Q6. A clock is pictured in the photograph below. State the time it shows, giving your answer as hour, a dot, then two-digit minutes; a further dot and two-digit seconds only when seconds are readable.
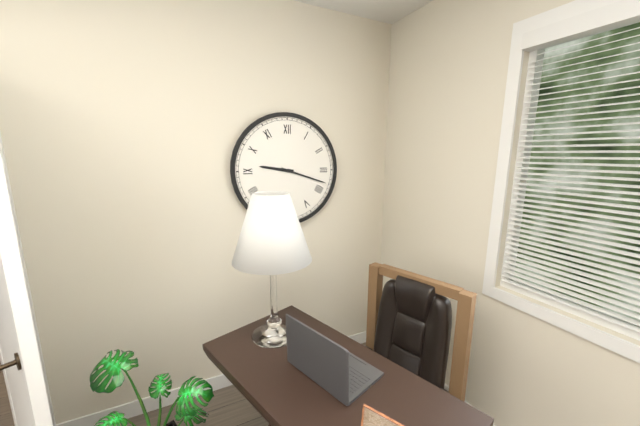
9.18
